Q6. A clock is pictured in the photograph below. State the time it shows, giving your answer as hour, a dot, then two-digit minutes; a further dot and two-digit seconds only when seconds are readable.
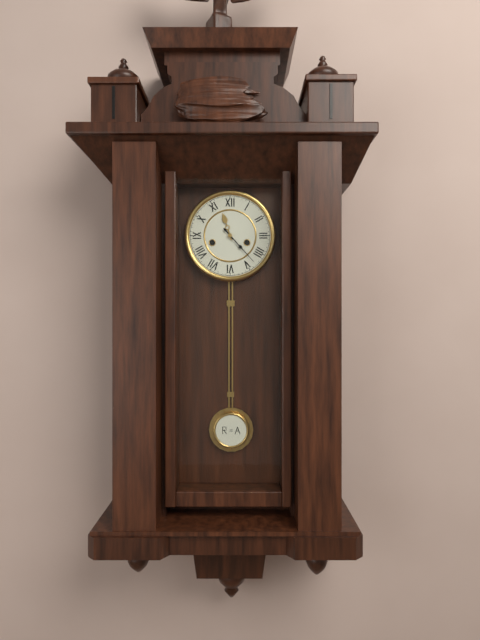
11.23
